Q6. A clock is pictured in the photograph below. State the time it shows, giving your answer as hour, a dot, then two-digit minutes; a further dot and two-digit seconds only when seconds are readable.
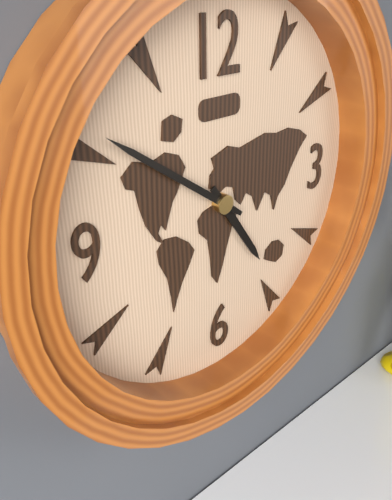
4.51
